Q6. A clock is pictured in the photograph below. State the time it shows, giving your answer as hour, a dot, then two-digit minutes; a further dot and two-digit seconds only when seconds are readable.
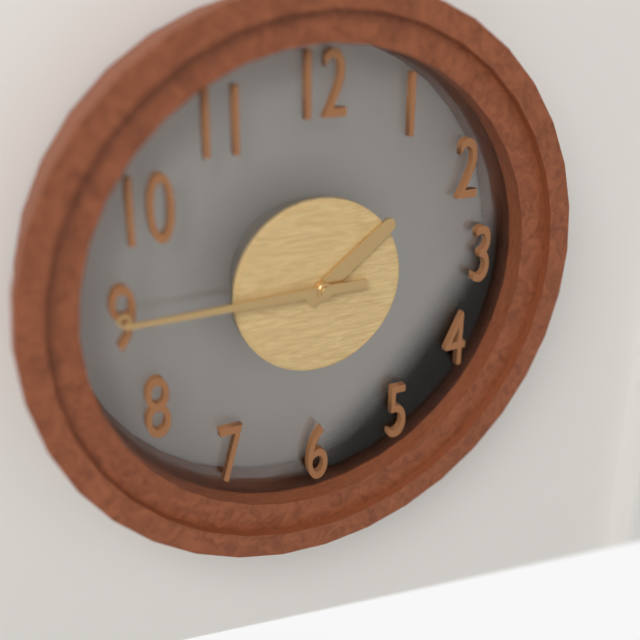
1.45
